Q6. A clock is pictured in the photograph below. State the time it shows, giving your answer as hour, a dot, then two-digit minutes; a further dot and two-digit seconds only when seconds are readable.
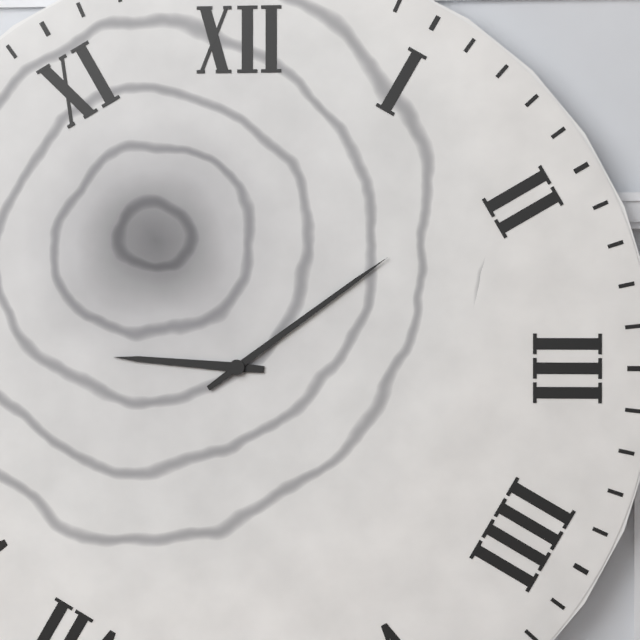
9.09
